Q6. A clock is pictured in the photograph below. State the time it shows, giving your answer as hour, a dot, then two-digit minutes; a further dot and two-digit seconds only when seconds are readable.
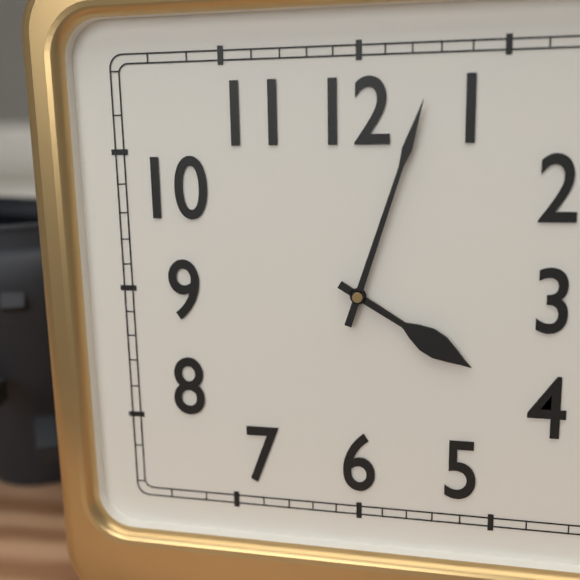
4.03
